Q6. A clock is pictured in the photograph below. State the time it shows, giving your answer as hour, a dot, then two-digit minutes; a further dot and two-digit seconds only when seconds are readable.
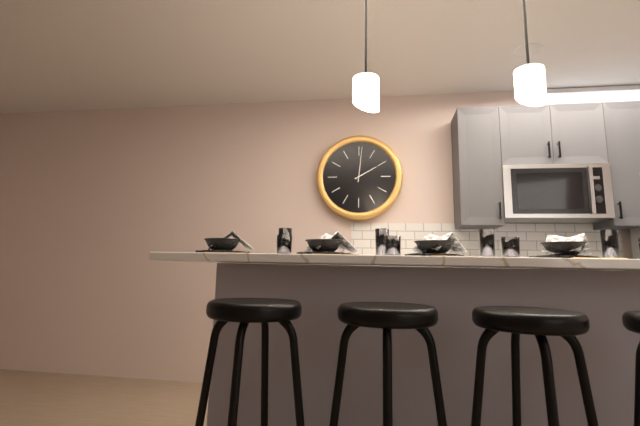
2.01
